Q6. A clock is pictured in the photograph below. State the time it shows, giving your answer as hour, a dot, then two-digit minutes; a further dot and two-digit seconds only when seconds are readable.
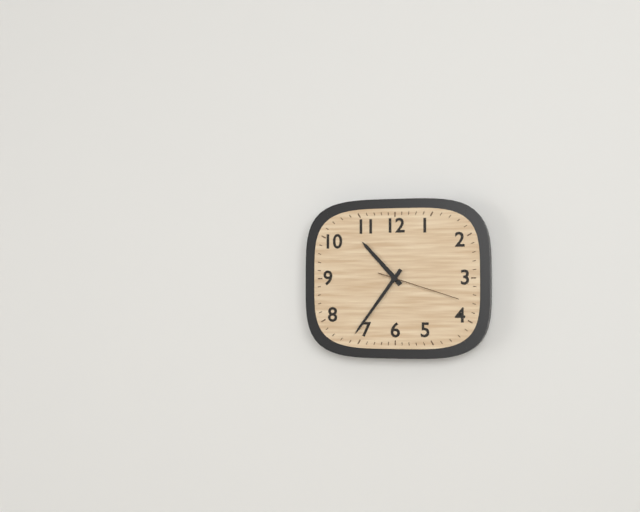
10.36.18
